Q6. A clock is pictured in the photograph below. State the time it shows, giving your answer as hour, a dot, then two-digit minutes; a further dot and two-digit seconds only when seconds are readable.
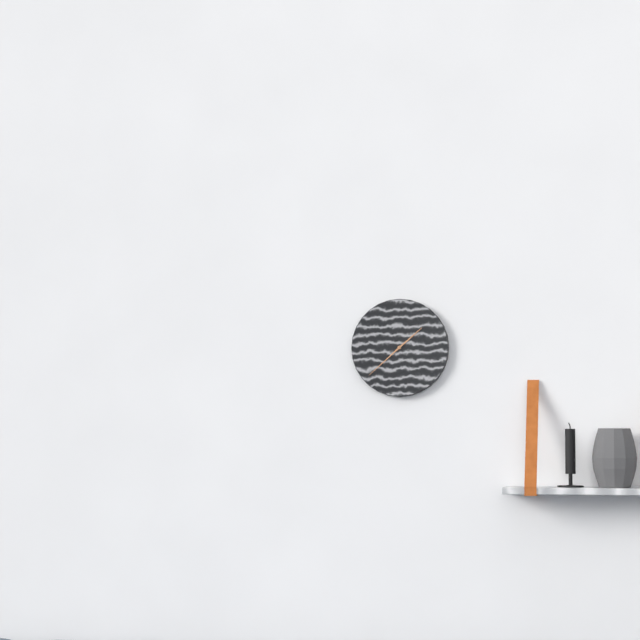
1.38
